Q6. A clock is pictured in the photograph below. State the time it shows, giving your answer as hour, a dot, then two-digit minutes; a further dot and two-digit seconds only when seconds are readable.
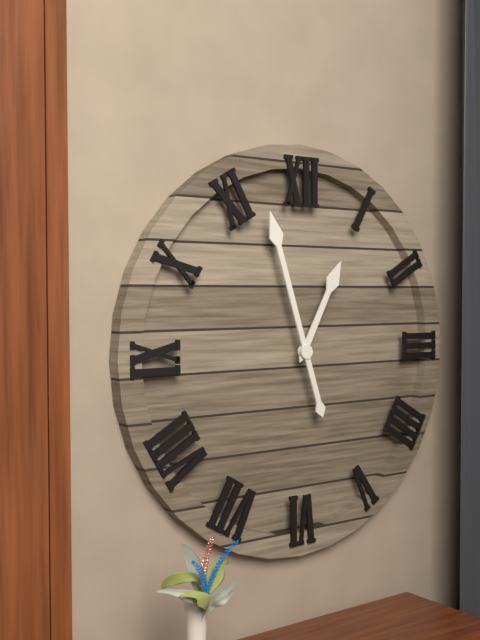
12.57
